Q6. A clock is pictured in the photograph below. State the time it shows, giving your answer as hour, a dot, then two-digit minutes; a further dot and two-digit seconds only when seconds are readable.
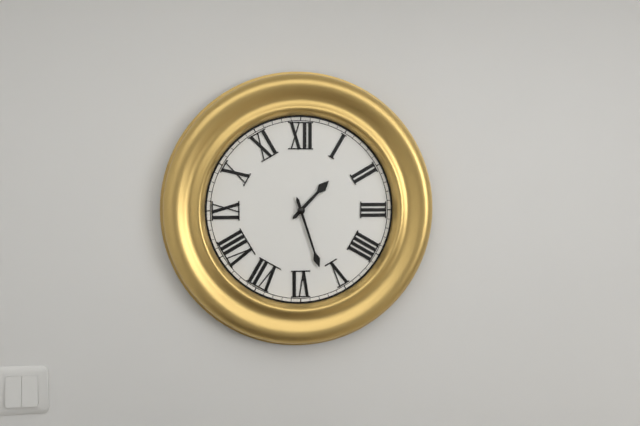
1.27
